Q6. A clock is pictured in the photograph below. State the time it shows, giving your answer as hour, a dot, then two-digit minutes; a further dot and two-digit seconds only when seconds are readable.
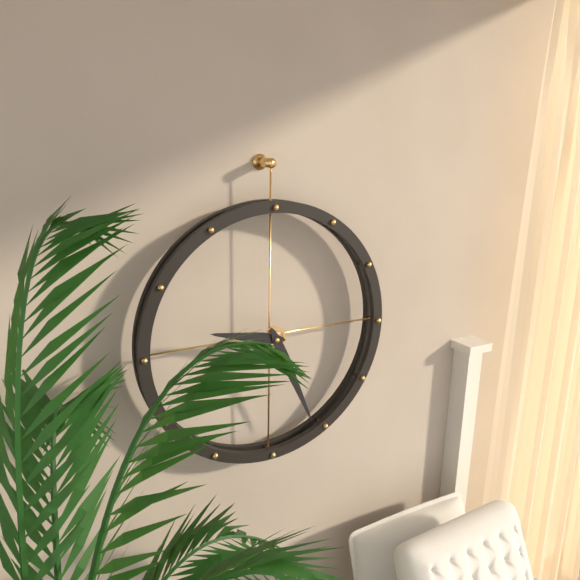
9.26
